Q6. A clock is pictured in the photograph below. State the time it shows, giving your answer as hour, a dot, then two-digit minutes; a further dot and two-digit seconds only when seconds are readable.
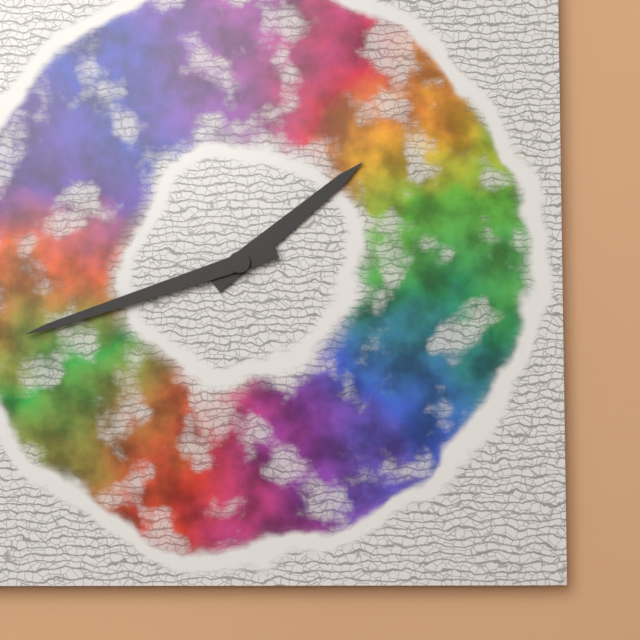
1.42
